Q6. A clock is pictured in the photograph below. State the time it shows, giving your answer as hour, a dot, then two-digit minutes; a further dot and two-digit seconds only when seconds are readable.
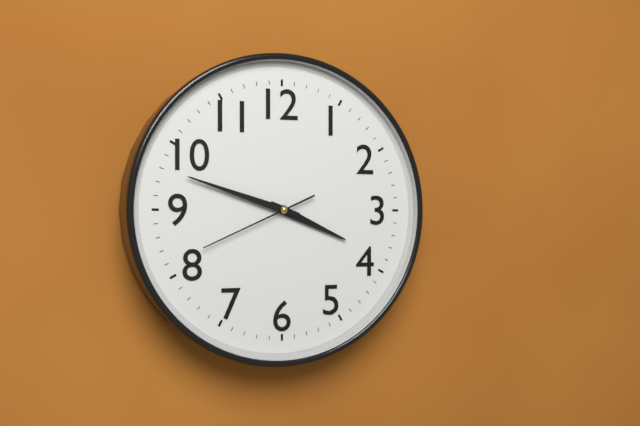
3.48.41
